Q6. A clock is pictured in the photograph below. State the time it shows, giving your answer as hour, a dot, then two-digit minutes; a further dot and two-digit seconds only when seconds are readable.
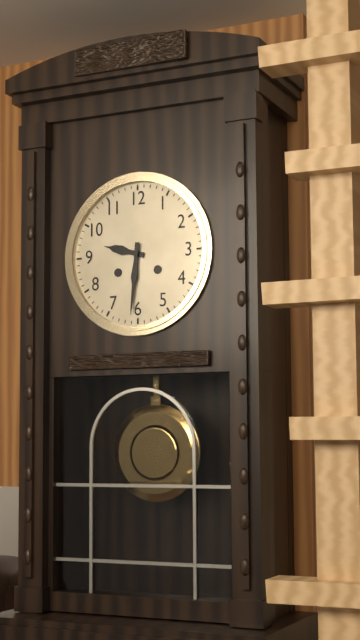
9.31
